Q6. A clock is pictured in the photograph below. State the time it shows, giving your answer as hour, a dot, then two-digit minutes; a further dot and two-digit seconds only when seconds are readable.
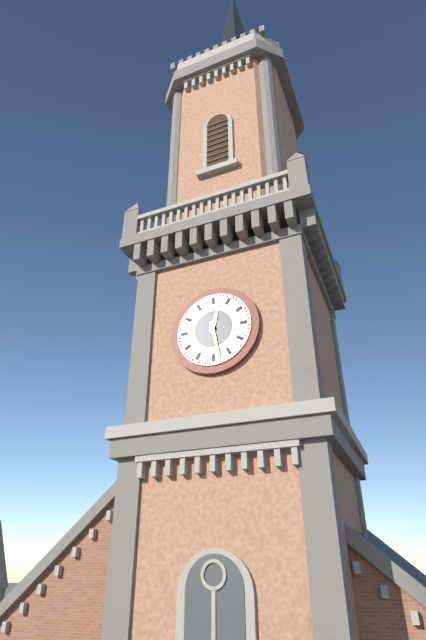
12.28
